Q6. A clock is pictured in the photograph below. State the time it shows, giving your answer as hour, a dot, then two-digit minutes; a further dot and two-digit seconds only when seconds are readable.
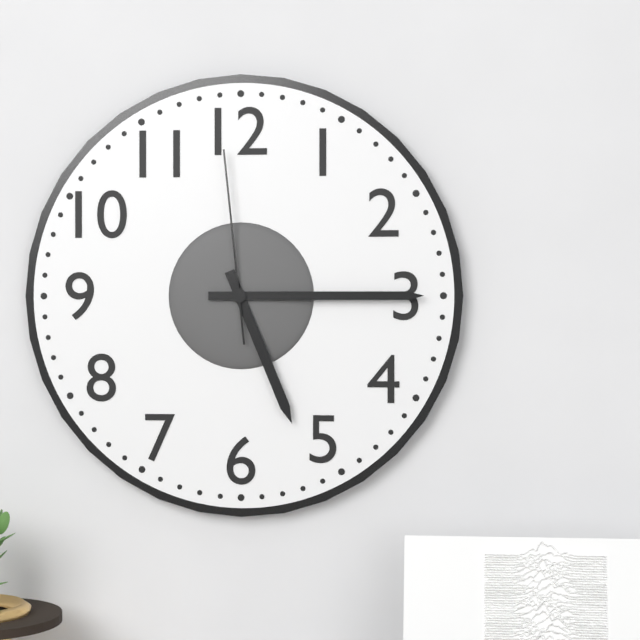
5.15.59
